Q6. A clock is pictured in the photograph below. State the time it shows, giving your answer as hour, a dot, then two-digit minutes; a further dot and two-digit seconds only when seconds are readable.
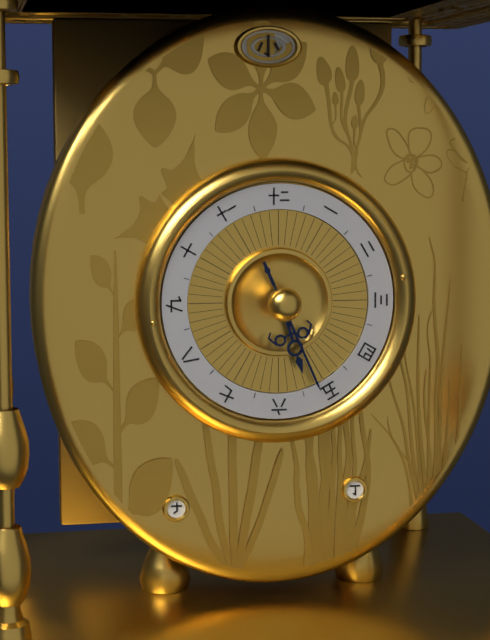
5.26
